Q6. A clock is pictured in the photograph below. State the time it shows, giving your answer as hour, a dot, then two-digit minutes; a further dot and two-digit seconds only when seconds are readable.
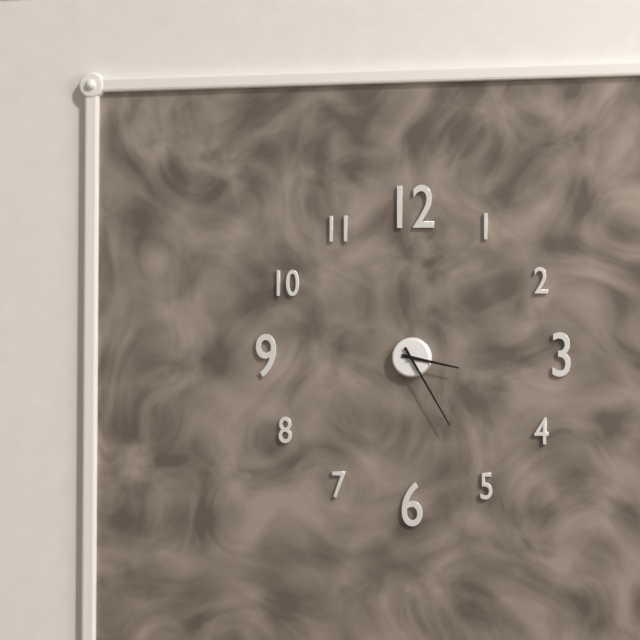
3.25
